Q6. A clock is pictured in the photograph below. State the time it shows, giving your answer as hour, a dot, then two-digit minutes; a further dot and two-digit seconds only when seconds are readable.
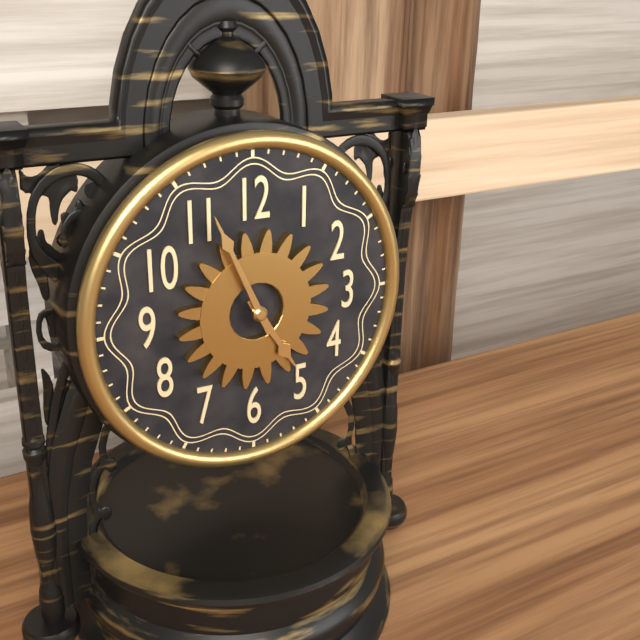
4.56
